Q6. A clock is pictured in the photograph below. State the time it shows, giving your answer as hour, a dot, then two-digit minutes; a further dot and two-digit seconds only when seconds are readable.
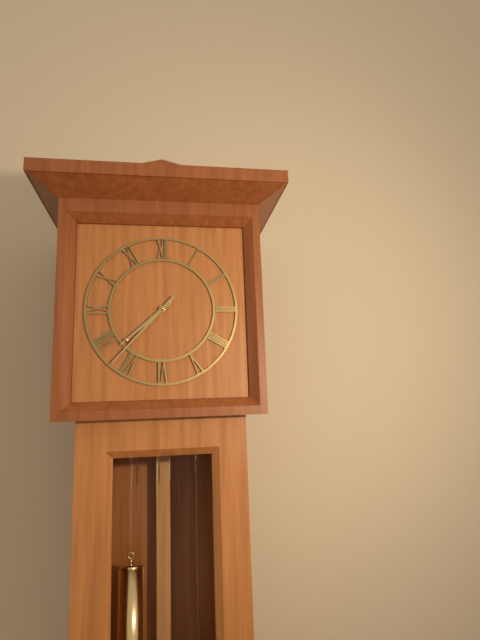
7.37
